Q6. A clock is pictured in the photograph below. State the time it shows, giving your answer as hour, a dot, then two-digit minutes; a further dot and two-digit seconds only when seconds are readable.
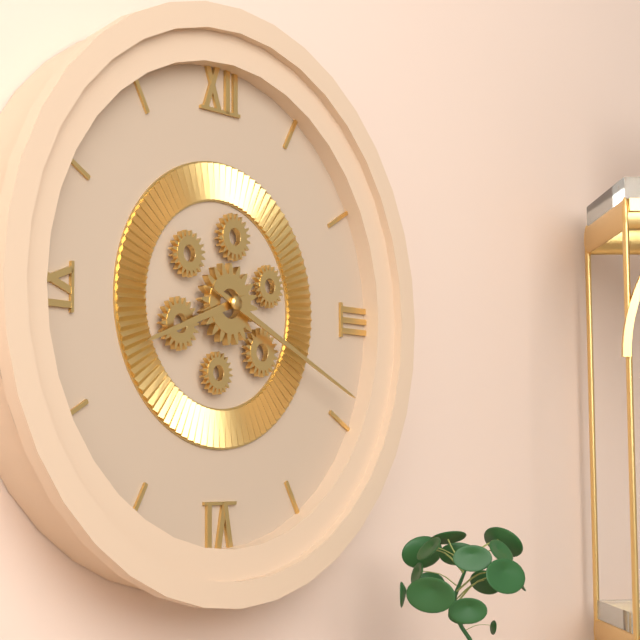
8.19
